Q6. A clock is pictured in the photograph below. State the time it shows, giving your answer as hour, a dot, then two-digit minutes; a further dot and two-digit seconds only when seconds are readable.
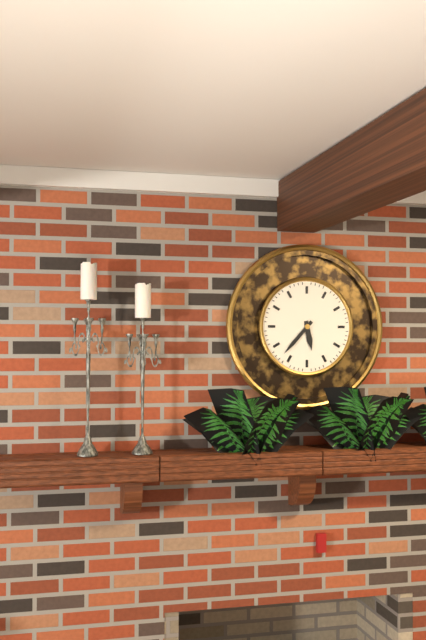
5.37
